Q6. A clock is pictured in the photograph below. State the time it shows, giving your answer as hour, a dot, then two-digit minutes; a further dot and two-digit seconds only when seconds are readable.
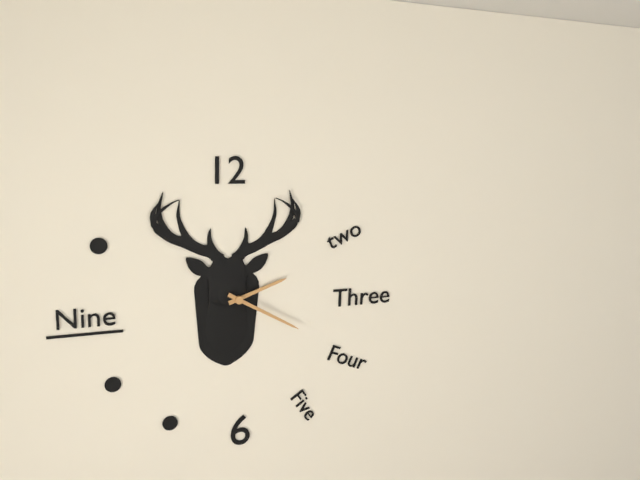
2.20
